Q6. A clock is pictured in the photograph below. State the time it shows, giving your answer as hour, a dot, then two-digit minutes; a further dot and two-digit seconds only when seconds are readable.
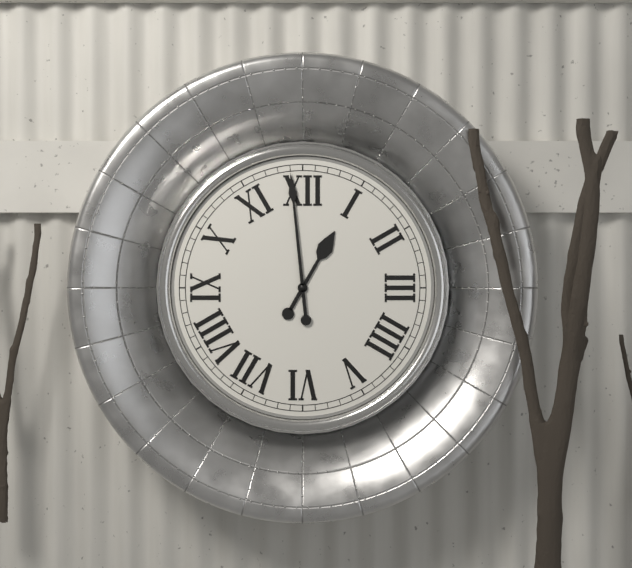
12.59
